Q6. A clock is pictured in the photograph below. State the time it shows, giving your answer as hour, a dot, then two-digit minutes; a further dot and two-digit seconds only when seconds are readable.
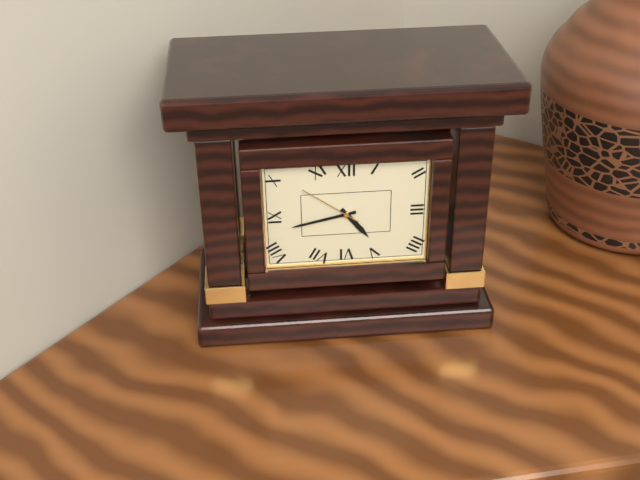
4.43.51
